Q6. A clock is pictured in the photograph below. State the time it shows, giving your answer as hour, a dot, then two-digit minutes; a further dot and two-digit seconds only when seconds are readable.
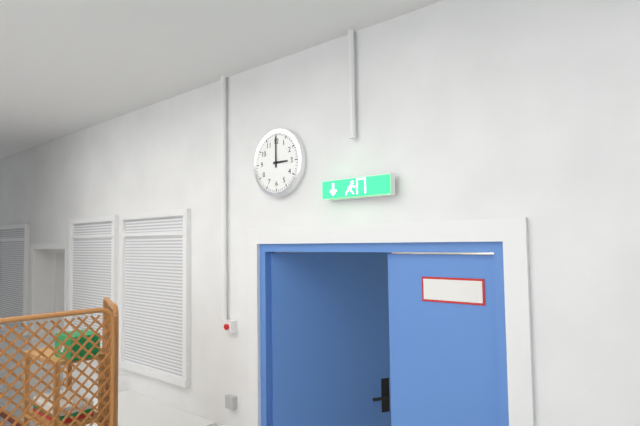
3.00
